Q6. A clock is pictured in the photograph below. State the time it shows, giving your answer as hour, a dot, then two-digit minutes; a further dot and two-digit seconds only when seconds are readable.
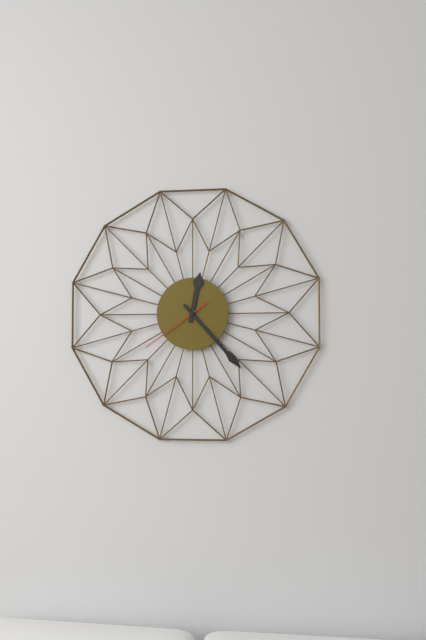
12.23.39
